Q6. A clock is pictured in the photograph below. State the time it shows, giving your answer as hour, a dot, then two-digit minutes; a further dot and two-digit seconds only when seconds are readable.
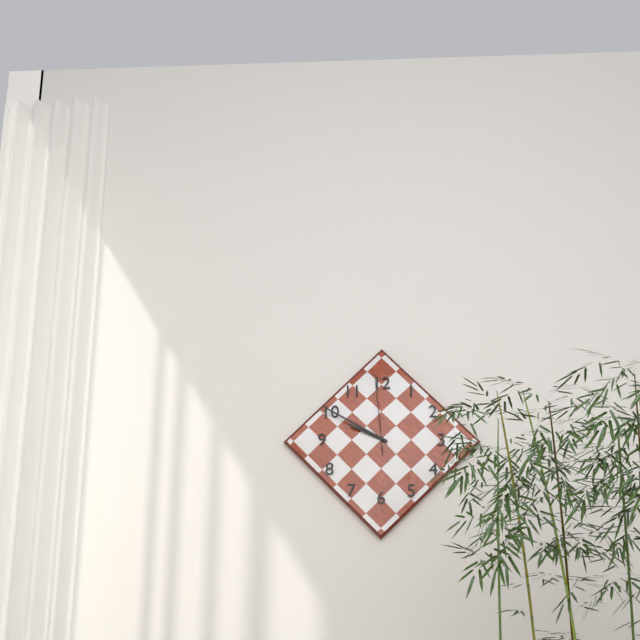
9.50.59
